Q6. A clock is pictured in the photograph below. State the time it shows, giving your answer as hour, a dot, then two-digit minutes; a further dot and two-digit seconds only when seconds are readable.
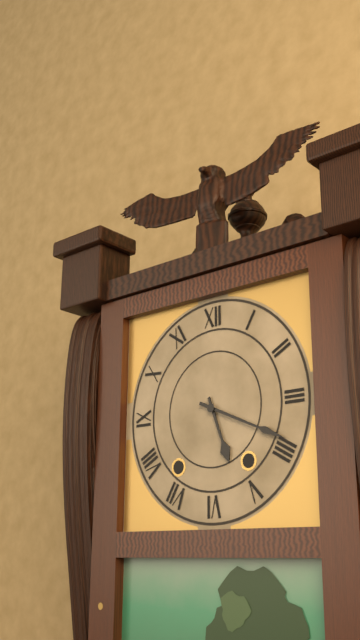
5.19
